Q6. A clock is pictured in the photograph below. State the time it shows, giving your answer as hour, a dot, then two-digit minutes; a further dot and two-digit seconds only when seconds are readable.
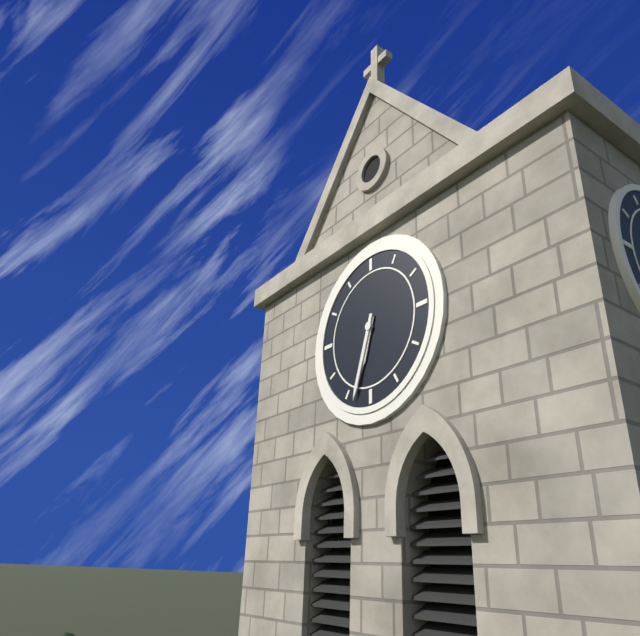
6.33
